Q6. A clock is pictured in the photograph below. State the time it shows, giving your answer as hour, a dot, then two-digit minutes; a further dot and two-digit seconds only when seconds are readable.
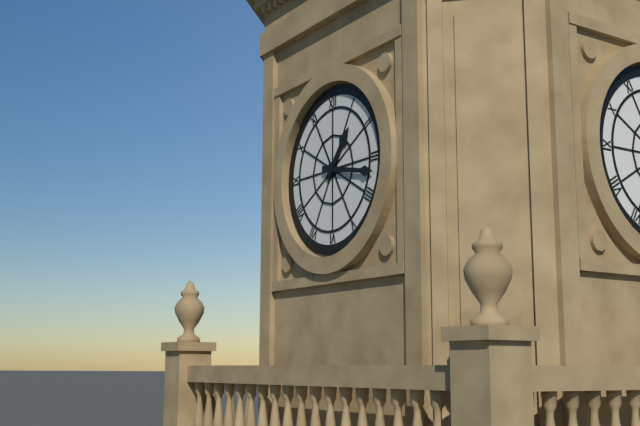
1.17
